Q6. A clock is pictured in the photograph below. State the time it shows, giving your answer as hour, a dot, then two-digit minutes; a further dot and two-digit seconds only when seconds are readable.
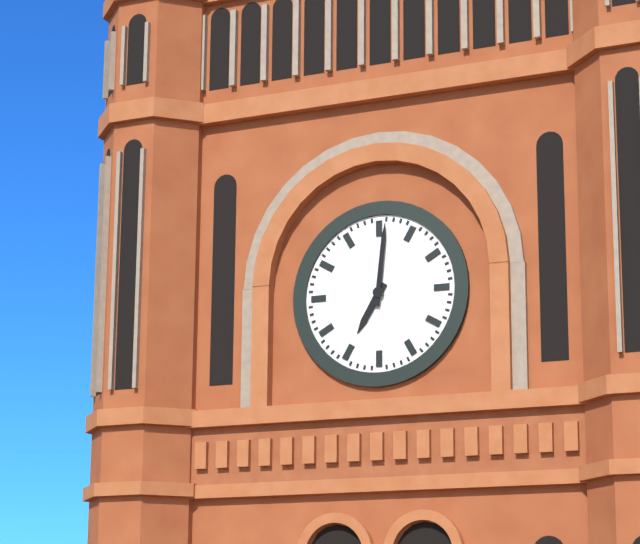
7.01
